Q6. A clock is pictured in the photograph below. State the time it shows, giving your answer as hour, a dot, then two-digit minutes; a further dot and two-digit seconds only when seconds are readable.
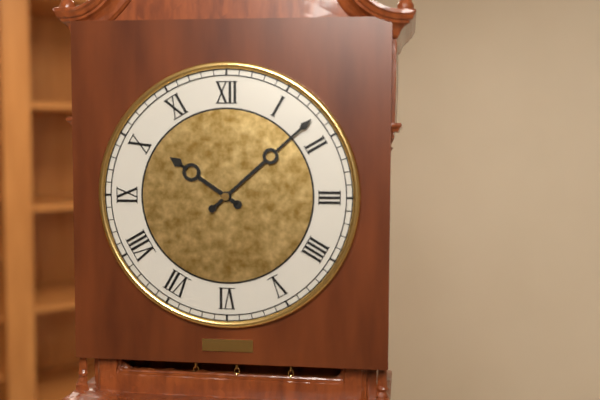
10.08
